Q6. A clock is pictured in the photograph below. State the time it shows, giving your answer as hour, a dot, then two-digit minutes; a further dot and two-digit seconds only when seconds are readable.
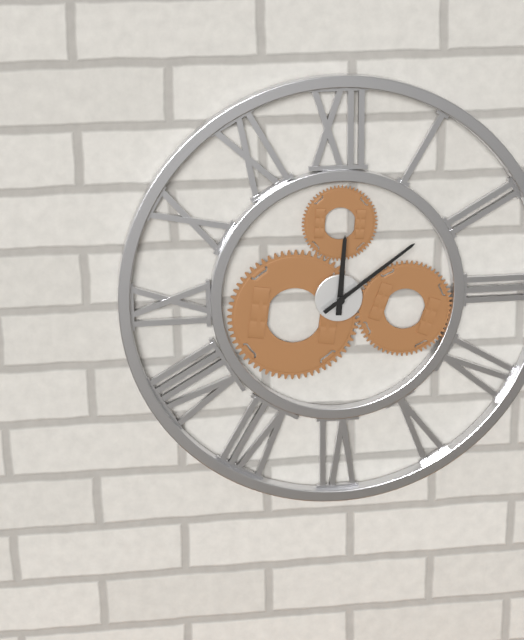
12.09
